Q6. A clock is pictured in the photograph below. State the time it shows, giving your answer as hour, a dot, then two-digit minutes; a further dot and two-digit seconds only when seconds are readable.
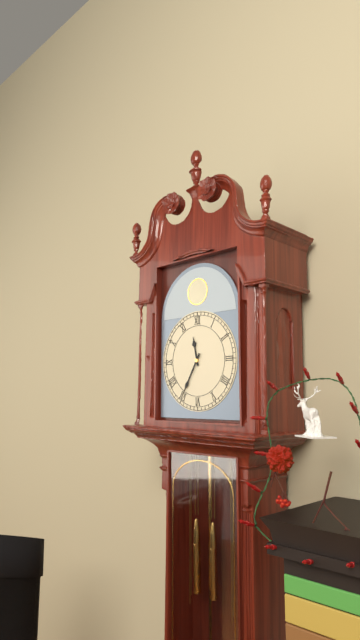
11.35
